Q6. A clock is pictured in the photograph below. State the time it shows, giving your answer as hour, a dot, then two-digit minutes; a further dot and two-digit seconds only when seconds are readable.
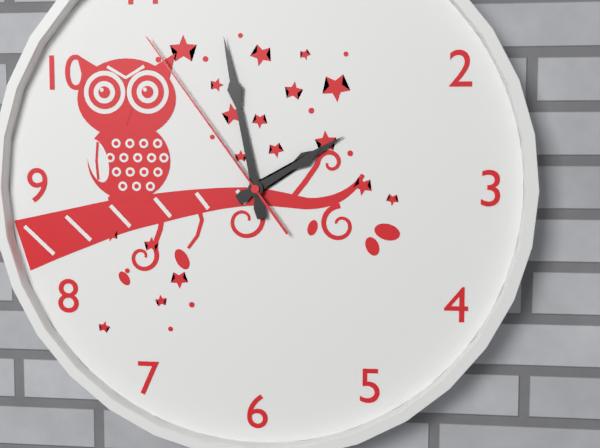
1.58.54
